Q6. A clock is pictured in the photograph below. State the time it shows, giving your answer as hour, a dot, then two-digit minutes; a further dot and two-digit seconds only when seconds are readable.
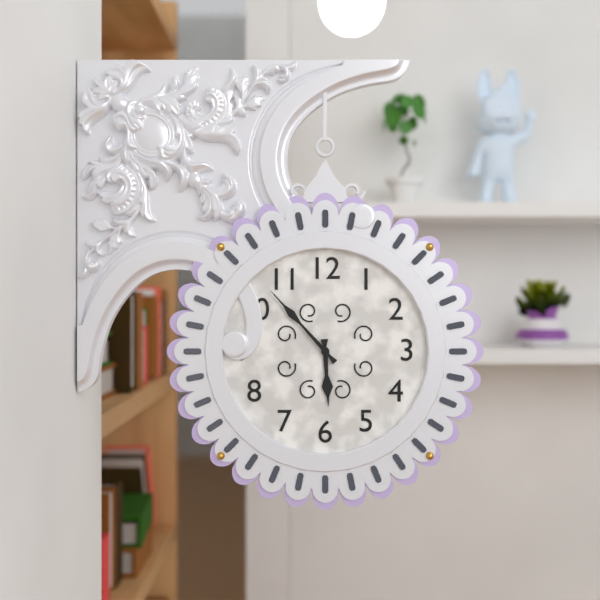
5.53
